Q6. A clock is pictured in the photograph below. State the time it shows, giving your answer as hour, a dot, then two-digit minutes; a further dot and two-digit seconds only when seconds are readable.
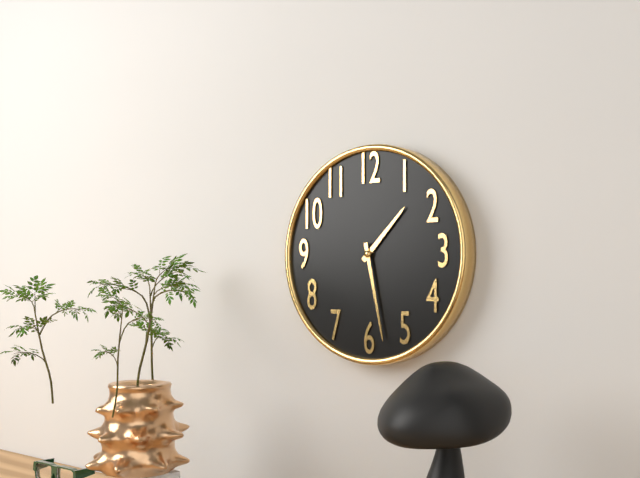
1.28
